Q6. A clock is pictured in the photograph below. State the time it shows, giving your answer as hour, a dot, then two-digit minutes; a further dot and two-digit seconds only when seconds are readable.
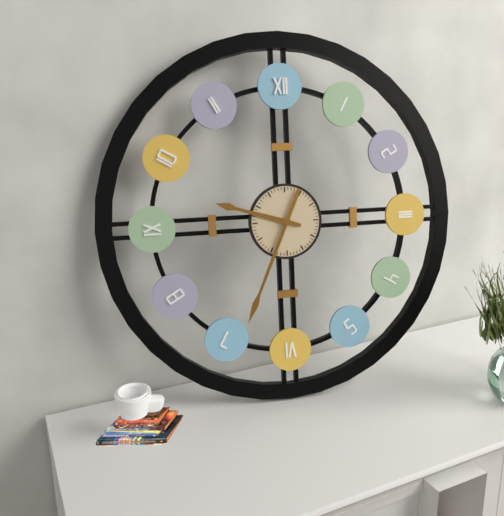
9.34
